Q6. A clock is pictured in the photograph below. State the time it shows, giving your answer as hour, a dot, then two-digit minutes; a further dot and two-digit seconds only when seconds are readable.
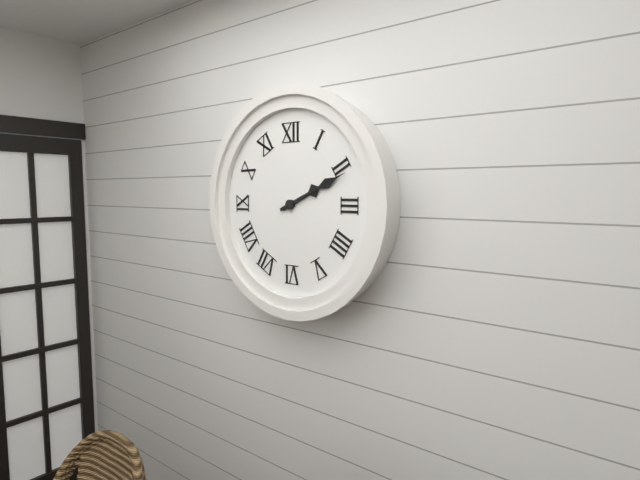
2.11
